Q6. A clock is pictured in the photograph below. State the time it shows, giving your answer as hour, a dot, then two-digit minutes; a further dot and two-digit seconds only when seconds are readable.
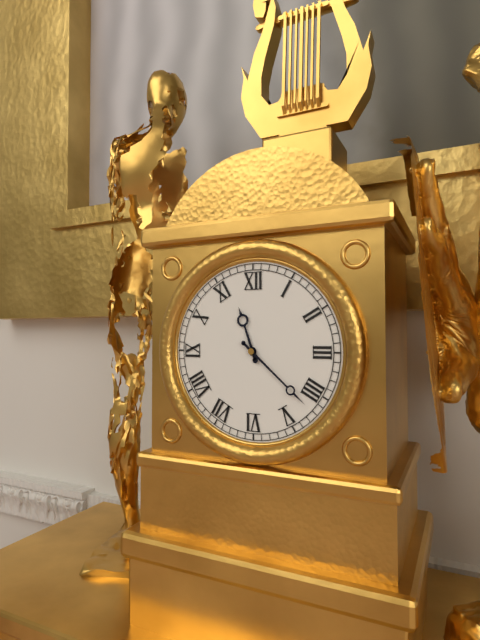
11.22
